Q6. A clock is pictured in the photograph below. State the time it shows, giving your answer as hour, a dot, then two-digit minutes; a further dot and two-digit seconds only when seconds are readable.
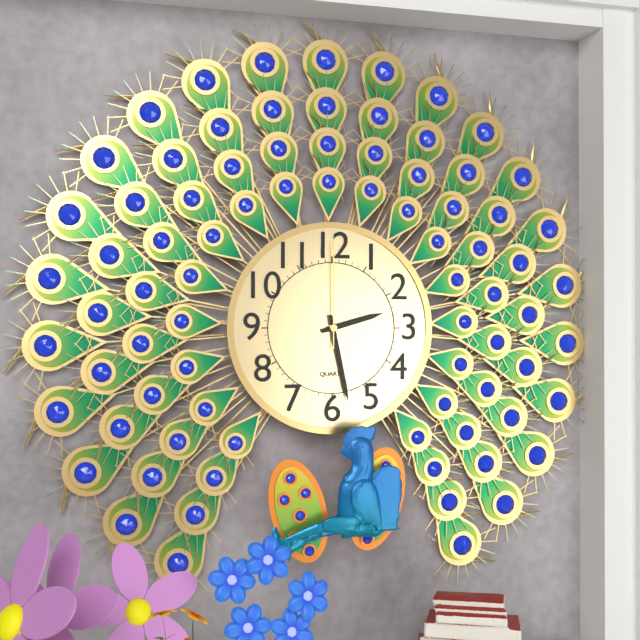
2.28.00
